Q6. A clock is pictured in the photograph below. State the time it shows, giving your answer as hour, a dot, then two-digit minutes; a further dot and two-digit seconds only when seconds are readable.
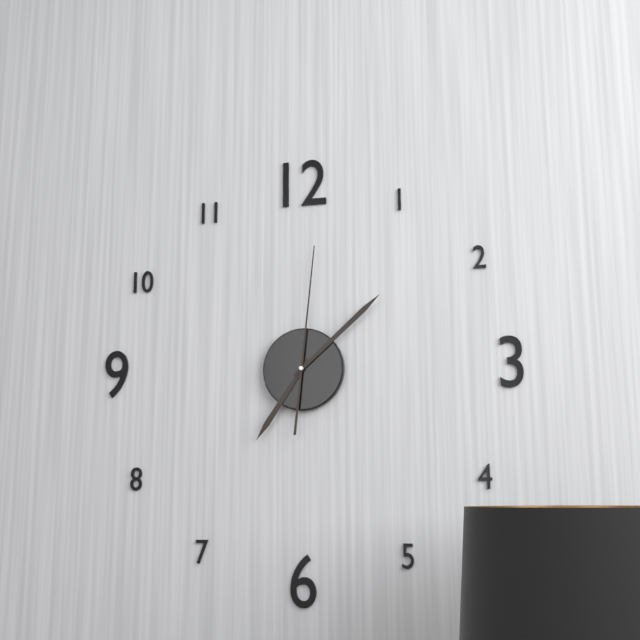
7.08.01
